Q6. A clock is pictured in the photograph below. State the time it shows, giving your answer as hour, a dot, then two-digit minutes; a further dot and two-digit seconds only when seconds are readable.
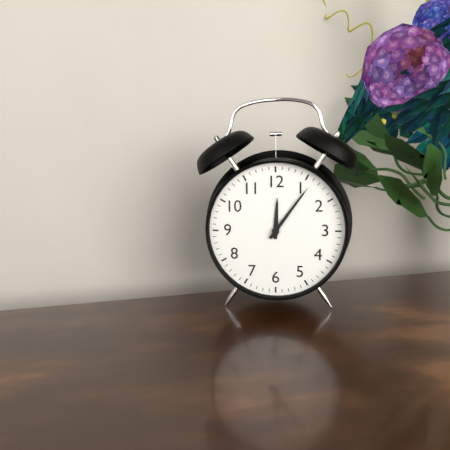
12.06
